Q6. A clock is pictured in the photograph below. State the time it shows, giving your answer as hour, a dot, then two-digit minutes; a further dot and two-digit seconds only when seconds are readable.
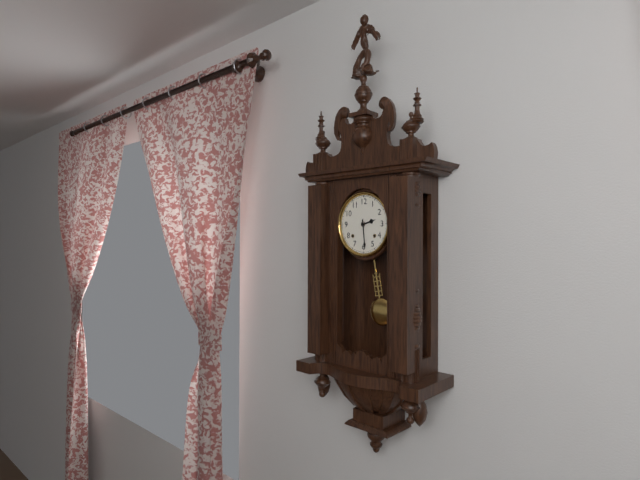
2.29
